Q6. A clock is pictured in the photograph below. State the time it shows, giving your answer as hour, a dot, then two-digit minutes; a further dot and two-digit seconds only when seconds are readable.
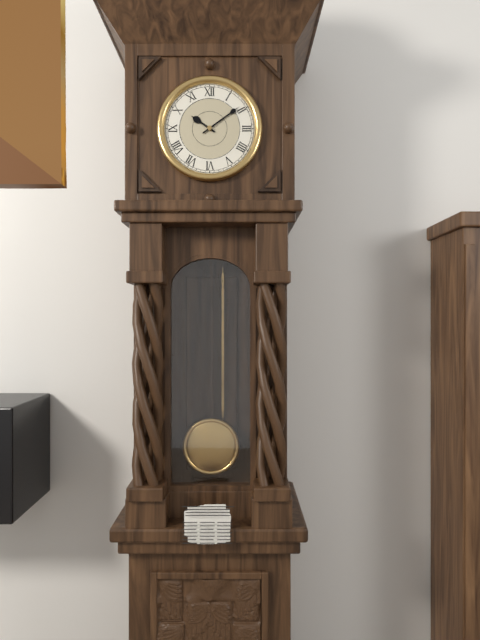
10.09
